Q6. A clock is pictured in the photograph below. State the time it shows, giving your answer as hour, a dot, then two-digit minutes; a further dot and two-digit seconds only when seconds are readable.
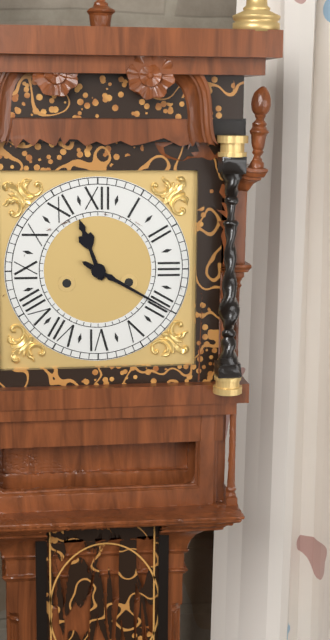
11.20
